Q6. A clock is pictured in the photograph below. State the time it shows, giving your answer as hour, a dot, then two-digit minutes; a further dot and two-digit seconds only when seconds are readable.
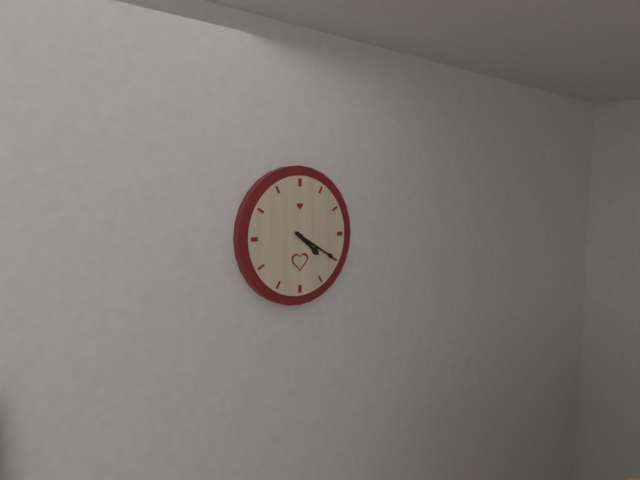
4.20
